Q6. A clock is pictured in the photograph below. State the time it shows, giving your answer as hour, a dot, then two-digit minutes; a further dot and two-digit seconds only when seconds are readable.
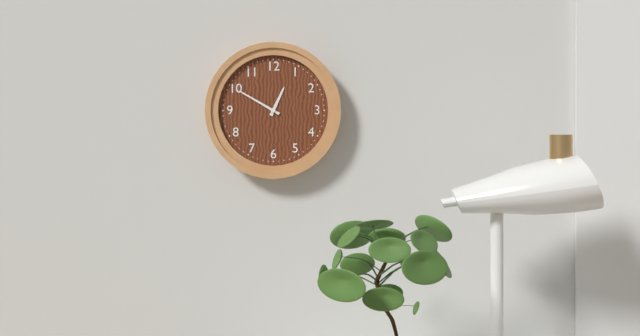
12.50
